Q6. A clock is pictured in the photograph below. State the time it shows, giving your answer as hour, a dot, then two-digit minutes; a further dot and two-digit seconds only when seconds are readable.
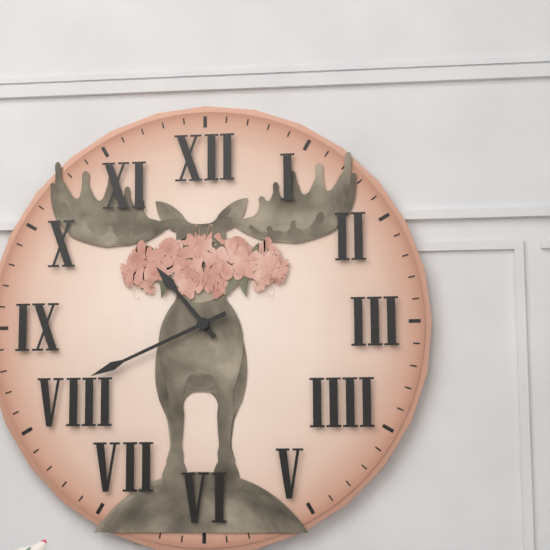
10.41
